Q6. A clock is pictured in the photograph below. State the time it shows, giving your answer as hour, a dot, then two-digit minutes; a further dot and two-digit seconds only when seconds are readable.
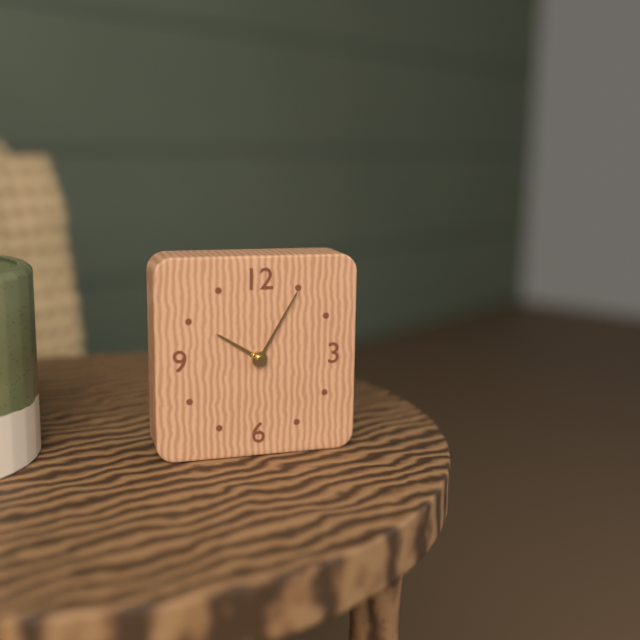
10.05
